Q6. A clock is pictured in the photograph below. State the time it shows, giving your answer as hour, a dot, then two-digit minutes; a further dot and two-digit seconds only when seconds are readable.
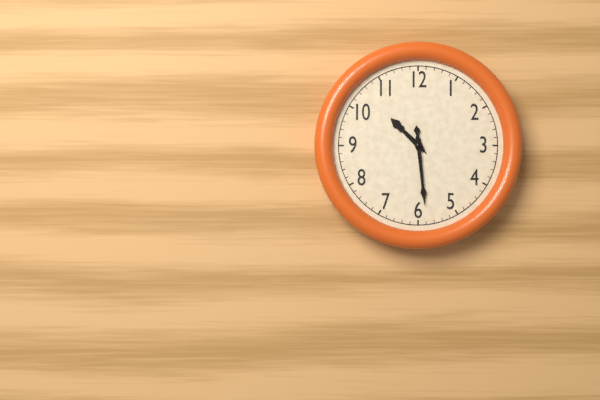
10.29
